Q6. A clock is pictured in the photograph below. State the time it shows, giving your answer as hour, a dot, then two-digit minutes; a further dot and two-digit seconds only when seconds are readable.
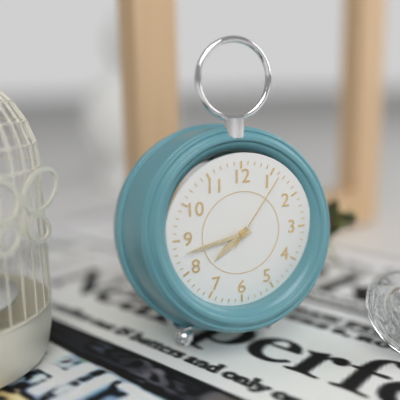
7.43.06
